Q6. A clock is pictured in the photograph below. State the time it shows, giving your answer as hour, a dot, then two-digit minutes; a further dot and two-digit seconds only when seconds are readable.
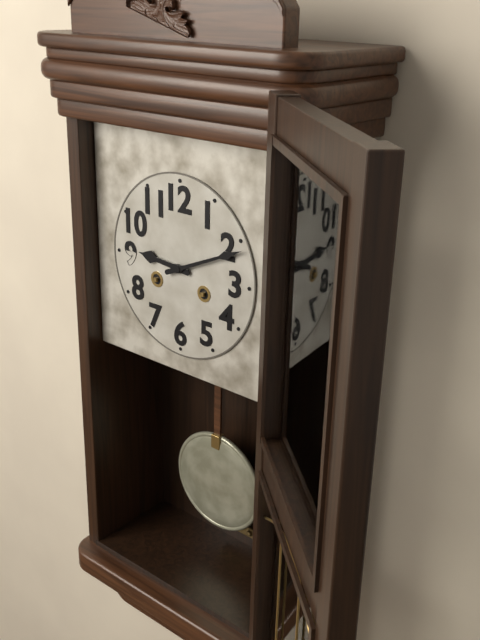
9.11
